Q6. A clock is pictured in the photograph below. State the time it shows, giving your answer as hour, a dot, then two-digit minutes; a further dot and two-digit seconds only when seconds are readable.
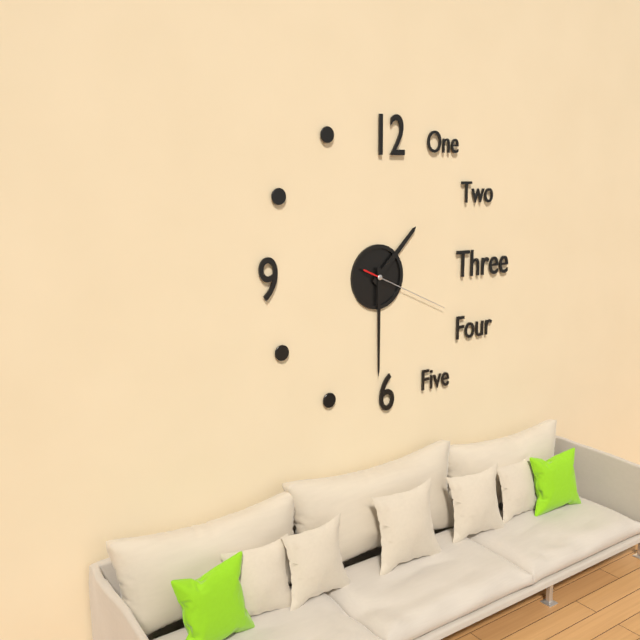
1.30.19
